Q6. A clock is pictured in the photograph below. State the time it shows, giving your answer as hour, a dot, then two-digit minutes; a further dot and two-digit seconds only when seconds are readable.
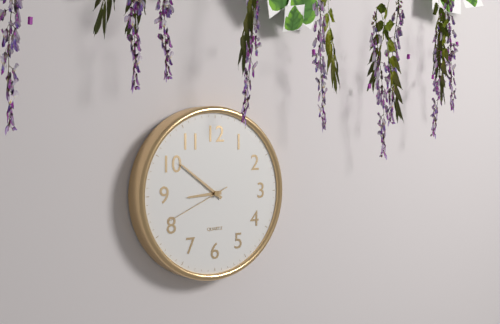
8.51.41
